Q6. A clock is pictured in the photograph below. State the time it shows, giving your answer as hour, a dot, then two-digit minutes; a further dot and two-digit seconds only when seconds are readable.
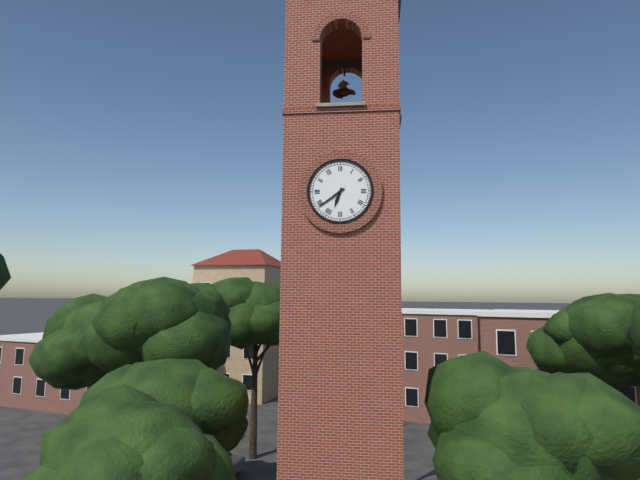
6.39
